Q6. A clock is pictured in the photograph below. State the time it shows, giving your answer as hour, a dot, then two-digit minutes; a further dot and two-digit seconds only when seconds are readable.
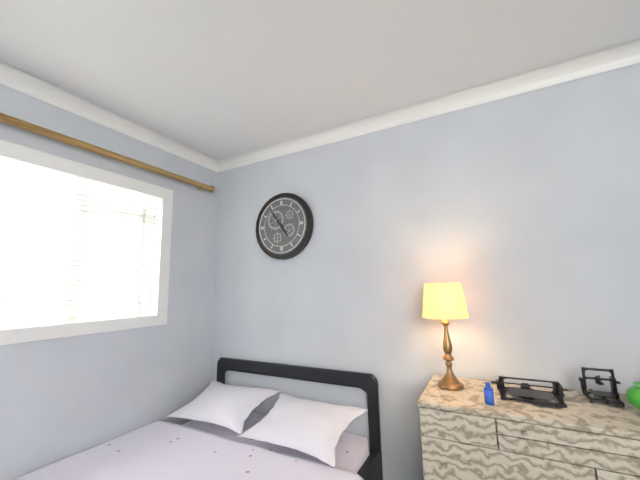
4.54
